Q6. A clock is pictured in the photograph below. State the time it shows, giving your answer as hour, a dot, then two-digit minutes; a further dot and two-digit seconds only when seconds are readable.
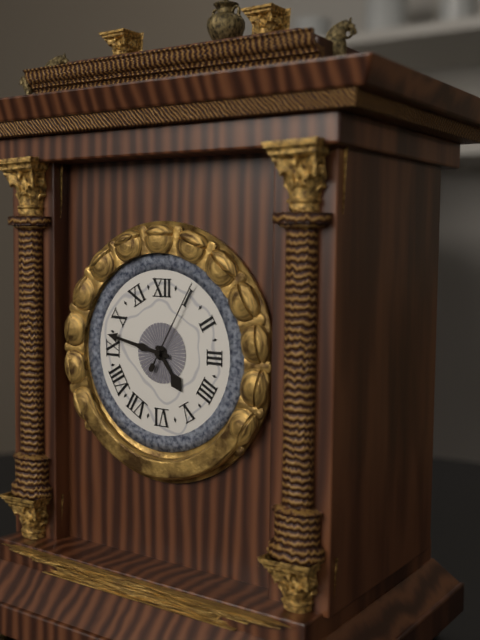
4.47.05
